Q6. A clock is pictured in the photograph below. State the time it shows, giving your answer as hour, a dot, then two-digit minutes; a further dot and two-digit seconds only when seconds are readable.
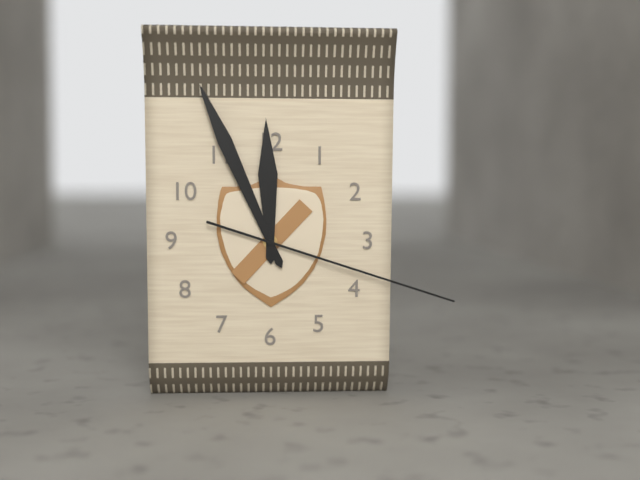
11.56.18
